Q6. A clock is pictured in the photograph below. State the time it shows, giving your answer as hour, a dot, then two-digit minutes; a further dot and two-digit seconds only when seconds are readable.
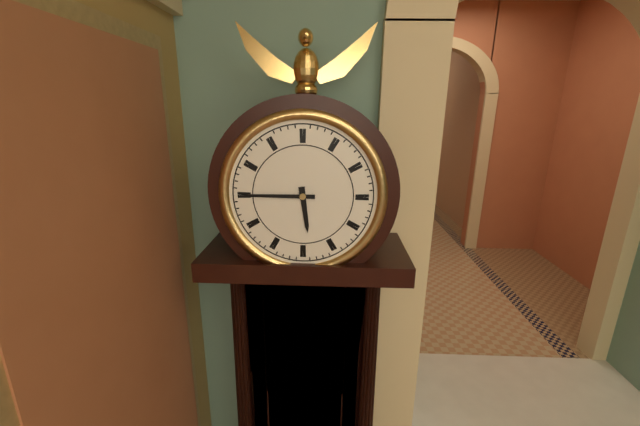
5.45
